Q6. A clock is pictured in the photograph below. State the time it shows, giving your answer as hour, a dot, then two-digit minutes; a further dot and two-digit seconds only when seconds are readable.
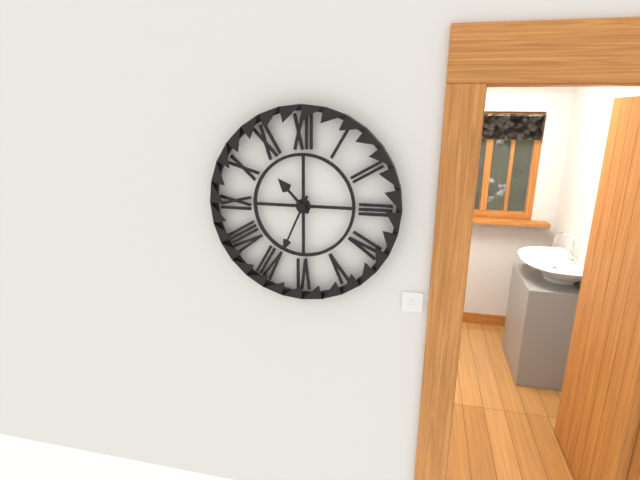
10.34
